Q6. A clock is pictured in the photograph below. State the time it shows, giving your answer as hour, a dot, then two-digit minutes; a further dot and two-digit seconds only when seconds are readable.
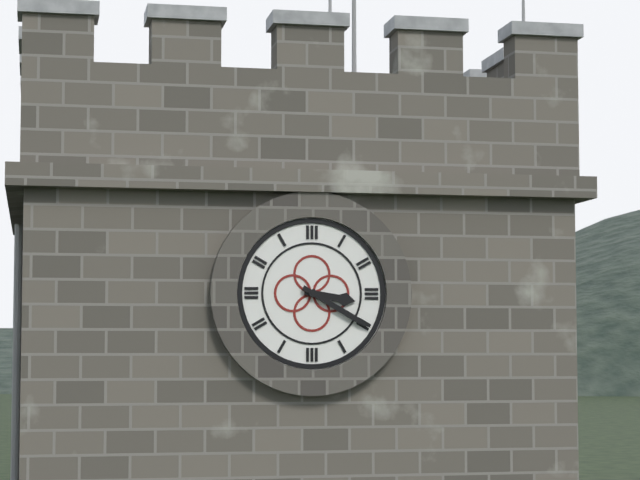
3.20
